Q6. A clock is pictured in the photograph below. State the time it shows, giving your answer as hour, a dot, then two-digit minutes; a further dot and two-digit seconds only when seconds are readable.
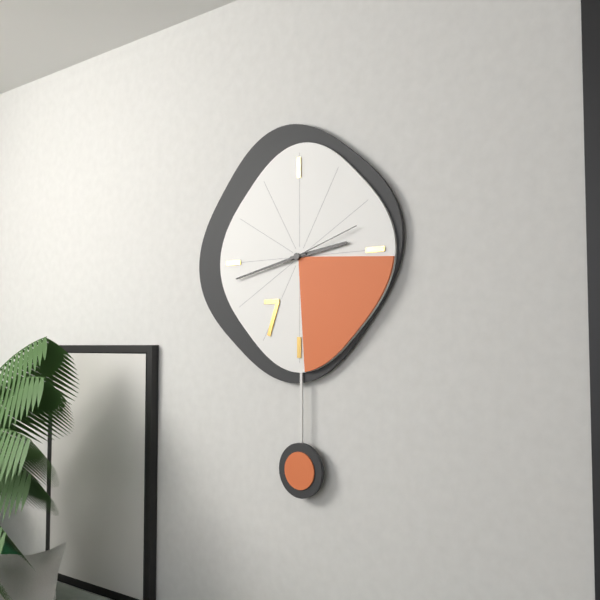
2.43.12
